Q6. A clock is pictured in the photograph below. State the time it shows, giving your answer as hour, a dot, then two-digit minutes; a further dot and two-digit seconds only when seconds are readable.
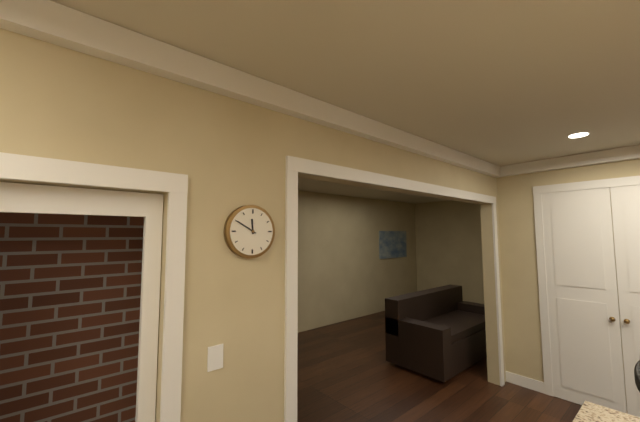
11.50
